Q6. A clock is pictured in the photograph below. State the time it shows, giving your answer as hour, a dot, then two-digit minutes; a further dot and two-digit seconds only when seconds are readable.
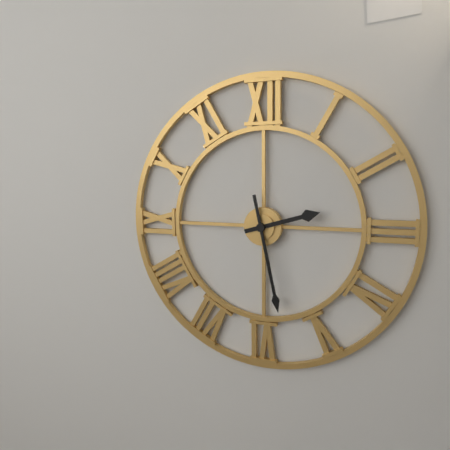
2.28
